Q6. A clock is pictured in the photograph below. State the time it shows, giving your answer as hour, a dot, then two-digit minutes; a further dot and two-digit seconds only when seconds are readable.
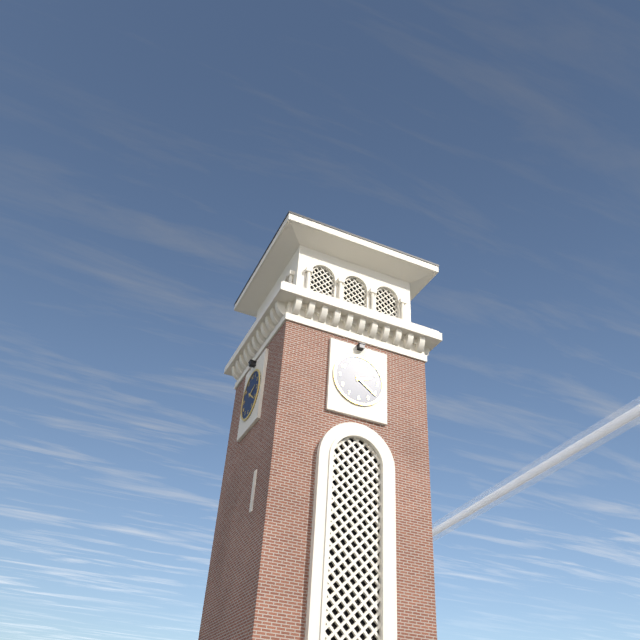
2.21
